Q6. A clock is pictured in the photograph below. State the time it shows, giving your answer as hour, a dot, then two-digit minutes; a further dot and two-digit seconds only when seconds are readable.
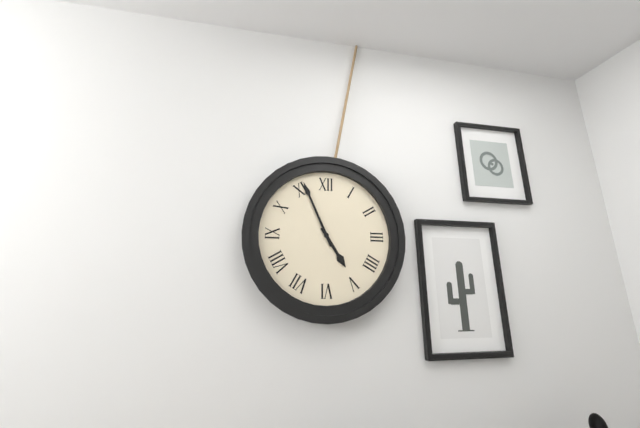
4.56
